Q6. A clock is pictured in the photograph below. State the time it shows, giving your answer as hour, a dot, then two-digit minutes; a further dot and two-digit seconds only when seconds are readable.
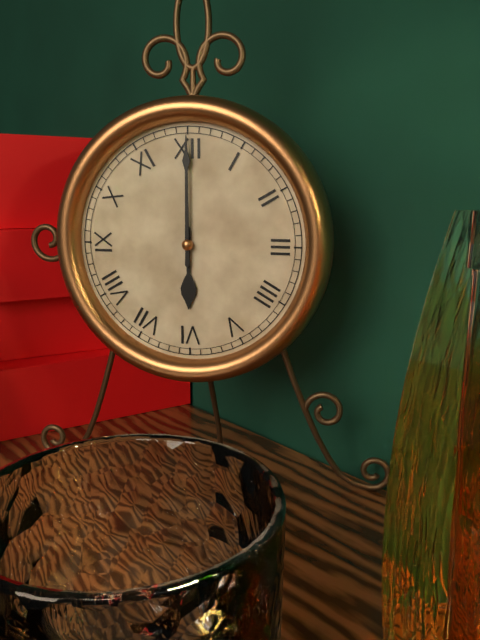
6.00
